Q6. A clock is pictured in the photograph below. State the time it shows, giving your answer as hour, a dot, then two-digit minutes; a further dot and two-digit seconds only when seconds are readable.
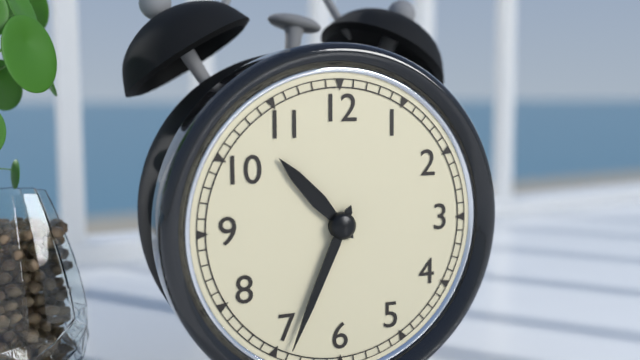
10.34
